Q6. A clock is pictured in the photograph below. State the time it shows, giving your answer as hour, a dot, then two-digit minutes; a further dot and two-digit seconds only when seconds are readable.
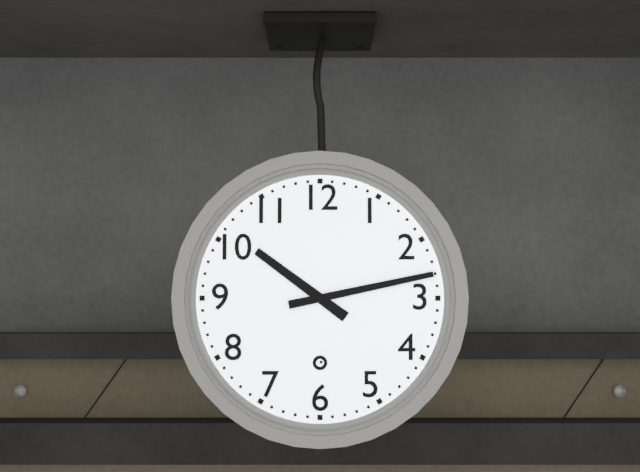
10.13
